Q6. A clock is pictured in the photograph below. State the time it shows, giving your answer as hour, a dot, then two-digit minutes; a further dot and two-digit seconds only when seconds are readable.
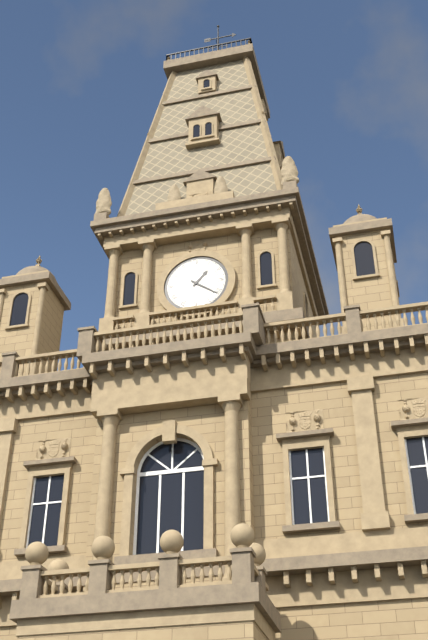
1.21
